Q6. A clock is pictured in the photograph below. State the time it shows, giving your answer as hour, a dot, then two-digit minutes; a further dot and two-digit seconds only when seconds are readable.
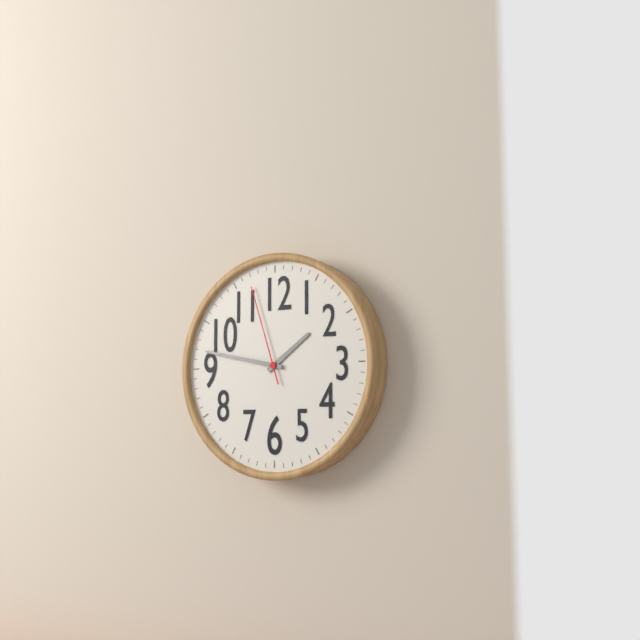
1.47.57
